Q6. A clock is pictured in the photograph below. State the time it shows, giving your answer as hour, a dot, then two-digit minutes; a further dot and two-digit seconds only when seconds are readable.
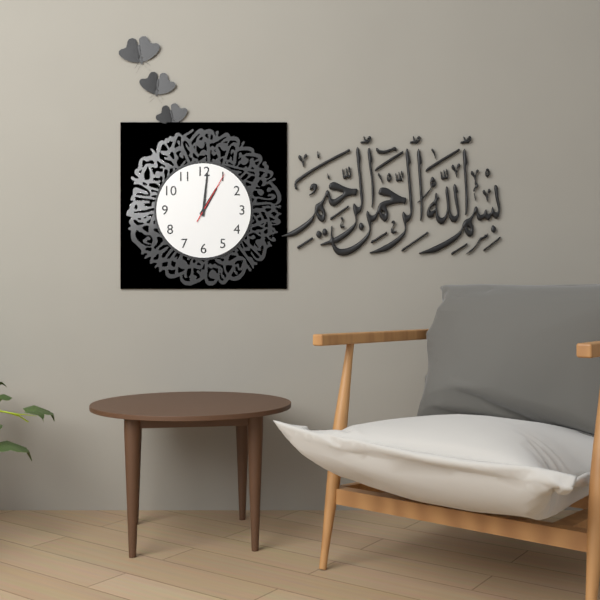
1.01.05
